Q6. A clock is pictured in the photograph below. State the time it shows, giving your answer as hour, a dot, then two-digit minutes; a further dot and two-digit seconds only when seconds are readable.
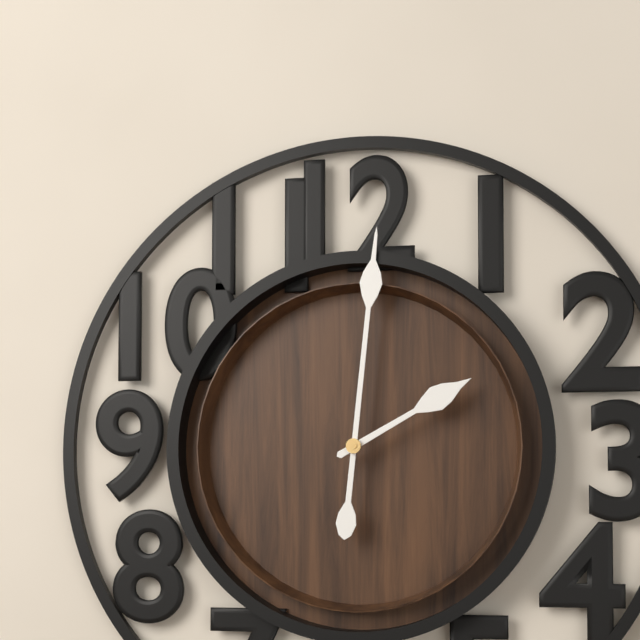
2.01
